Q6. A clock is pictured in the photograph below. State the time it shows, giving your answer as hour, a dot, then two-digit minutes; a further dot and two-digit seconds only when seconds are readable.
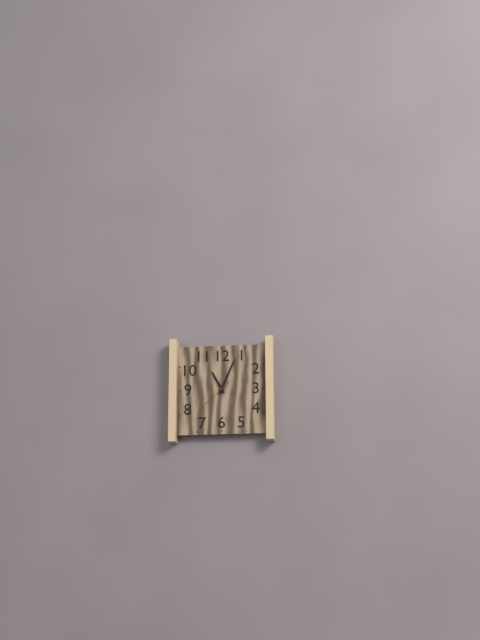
11.04
